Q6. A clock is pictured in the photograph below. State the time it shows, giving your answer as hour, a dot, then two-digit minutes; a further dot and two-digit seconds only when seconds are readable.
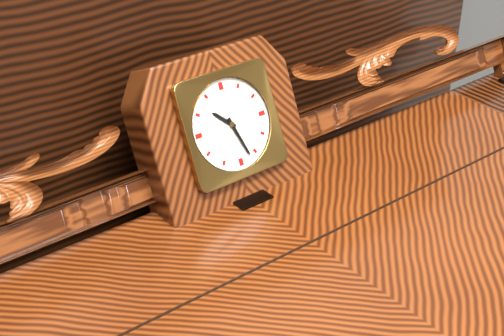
10.27
